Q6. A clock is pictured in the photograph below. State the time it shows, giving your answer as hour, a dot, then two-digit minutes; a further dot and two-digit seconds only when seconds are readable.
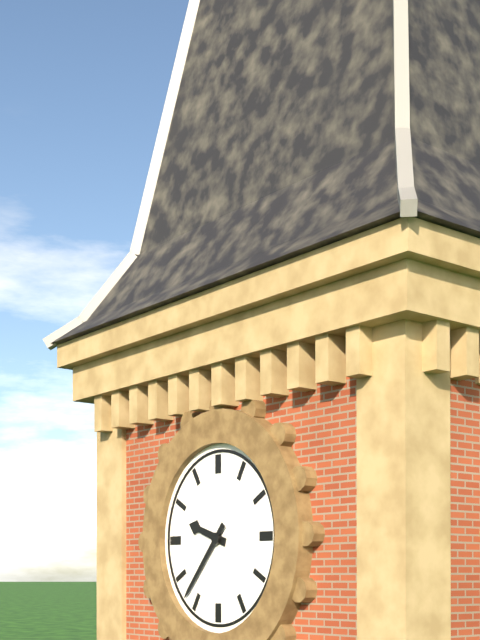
9.37
